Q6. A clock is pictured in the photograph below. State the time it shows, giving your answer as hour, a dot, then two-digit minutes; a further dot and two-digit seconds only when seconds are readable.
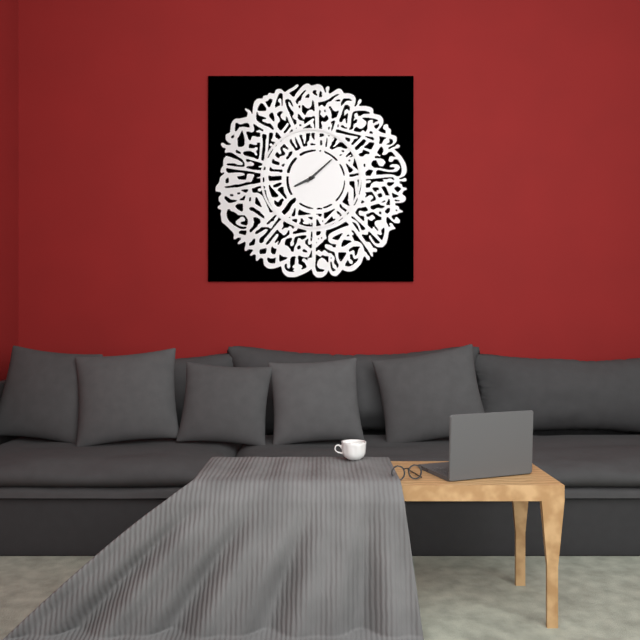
8.08
